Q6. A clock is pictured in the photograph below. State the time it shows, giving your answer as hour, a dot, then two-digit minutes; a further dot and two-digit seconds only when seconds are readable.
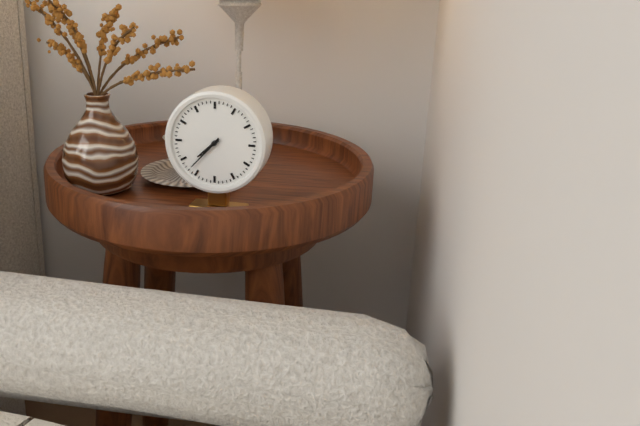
7.37
